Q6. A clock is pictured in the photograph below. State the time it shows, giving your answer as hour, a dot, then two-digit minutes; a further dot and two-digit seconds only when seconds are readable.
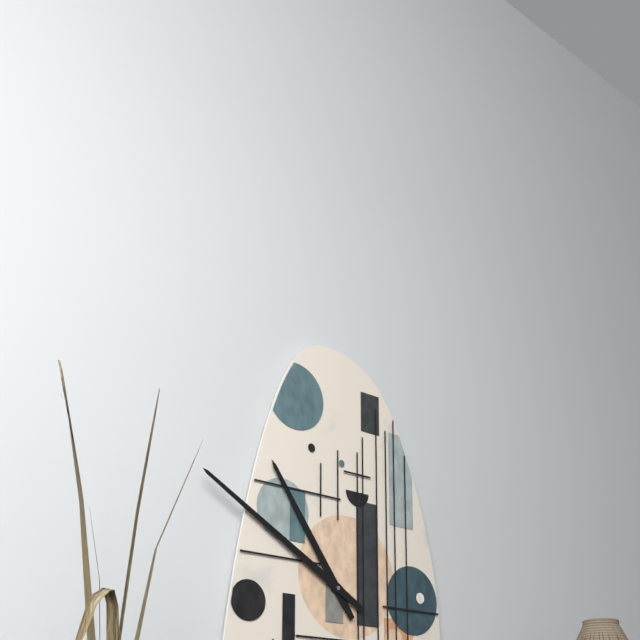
10.50
